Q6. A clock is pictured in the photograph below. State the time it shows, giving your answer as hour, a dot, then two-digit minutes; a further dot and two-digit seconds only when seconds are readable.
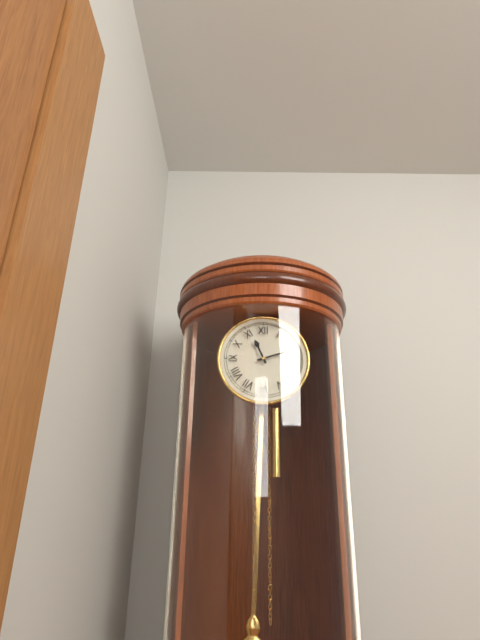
11.12
